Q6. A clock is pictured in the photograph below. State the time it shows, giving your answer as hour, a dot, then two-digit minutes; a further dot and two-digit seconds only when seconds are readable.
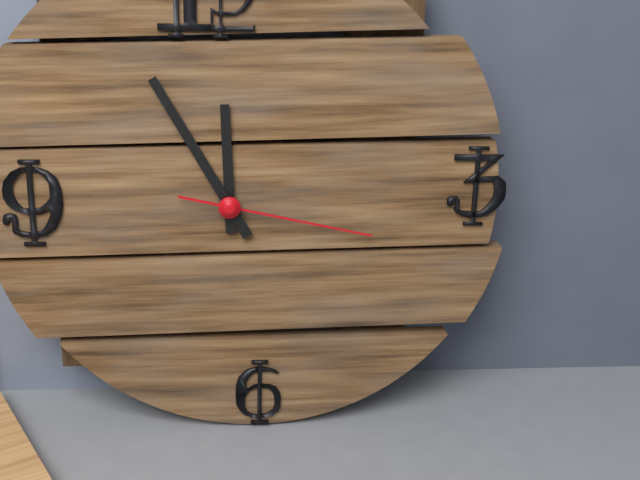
11.55.17
